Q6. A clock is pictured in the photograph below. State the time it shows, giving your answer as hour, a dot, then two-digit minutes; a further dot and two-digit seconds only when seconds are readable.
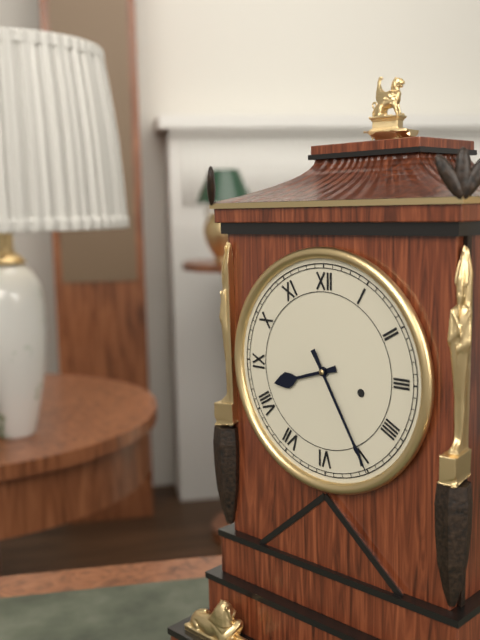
8.25
